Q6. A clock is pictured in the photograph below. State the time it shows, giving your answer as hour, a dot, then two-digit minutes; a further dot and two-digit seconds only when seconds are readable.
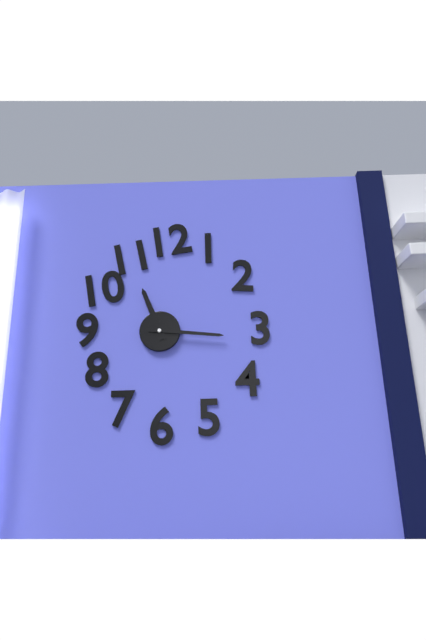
11.16
